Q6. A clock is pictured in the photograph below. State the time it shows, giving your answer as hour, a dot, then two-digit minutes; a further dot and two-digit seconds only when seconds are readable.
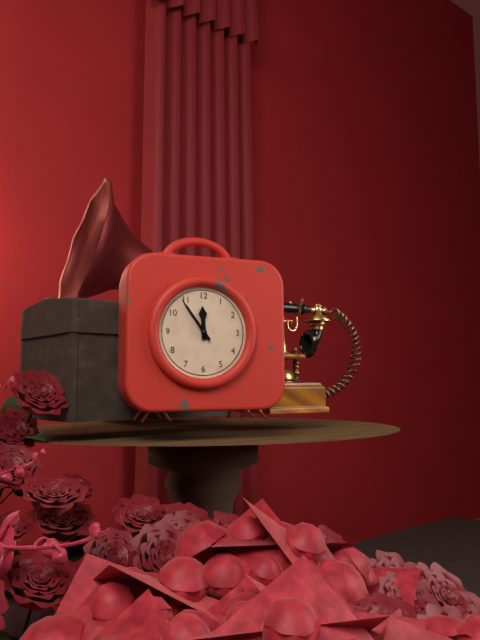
11.54
